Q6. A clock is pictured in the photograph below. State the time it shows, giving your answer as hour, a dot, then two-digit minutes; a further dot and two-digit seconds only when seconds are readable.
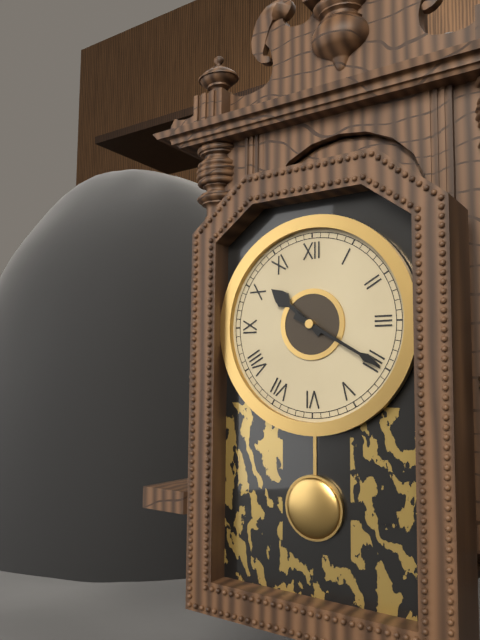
10.20
